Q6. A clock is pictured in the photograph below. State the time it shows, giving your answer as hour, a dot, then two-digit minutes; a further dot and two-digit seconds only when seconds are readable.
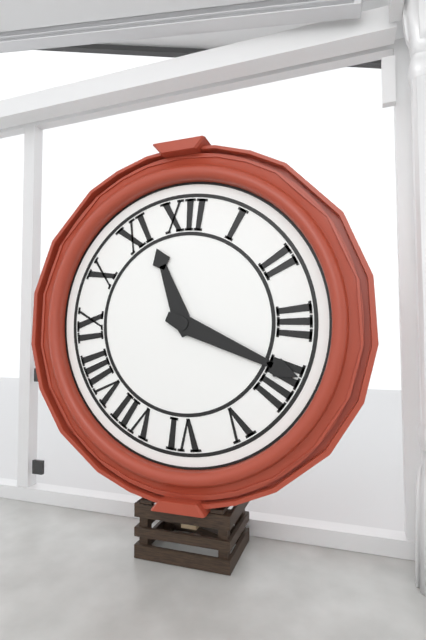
11.19
